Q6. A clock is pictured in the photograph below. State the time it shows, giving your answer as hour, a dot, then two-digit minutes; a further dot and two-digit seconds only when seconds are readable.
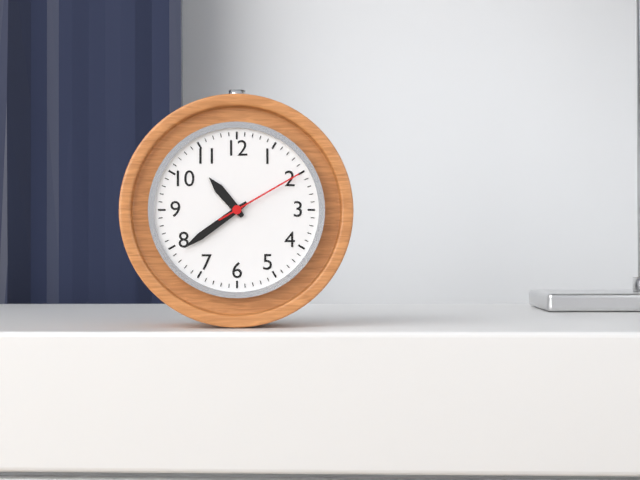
10.39.10
